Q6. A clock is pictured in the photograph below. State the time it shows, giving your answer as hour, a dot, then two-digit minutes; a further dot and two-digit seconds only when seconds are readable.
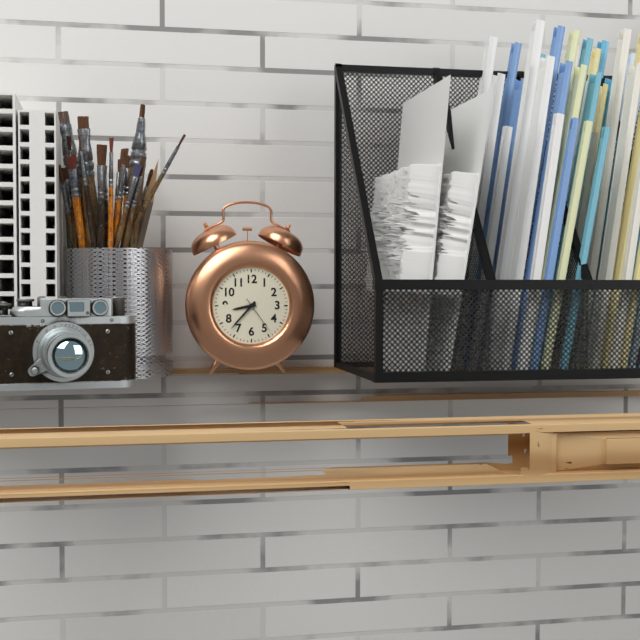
8.37
